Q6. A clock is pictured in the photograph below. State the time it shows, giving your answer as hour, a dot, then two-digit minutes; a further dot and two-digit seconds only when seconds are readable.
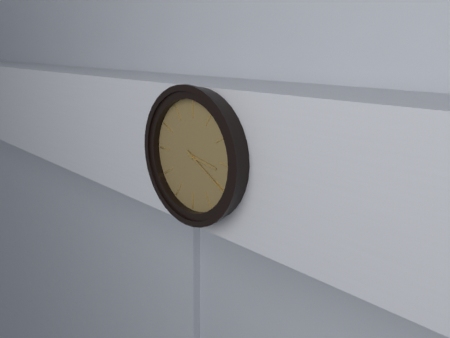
3.20
